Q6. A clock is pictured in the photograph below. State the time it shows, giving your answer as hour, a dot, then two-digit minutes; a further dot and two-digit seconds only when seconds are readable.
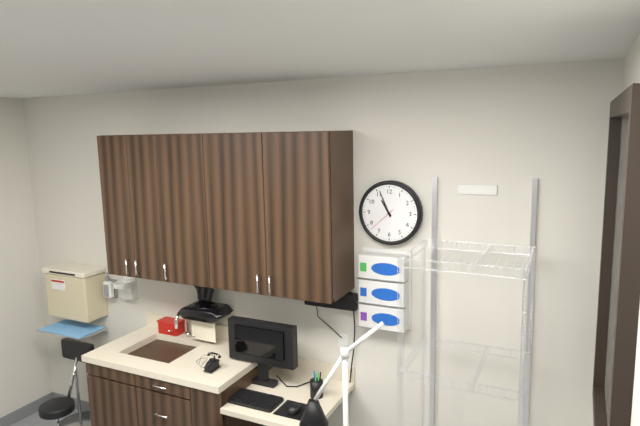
10.56
